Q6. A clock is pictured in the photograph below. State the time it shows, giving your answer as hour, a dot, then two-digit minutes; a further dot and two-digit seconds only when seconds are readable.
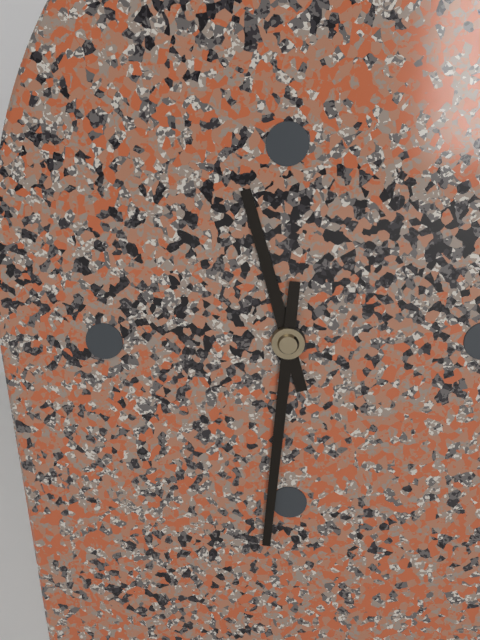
11.31
